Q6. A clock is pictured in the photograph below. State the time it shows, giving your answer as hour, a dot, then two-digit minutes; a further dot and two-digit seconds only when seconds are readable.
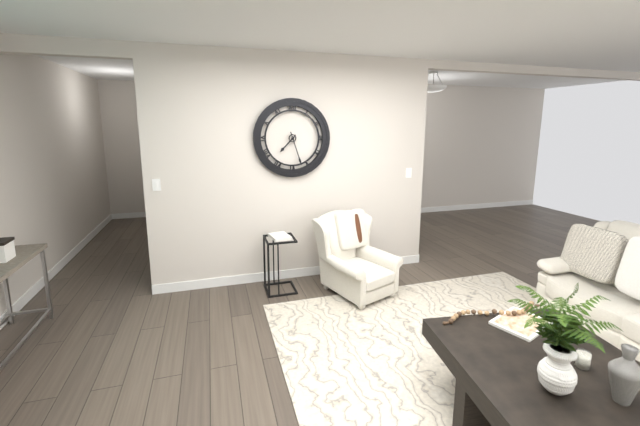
7.27
